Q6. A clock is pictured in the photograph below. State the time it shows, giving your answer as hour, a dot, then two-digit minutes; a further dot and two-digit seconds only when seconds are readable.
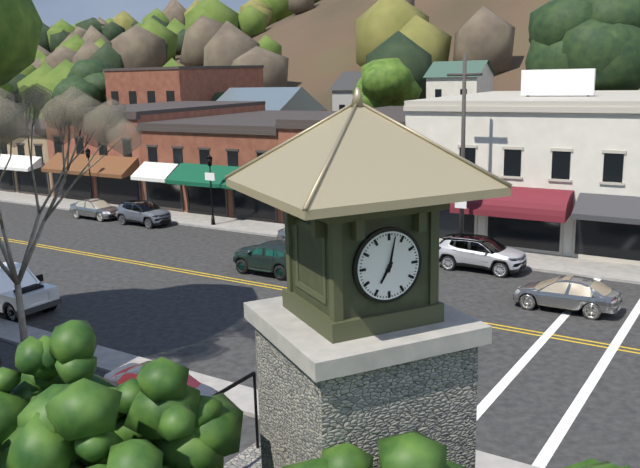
7.02
